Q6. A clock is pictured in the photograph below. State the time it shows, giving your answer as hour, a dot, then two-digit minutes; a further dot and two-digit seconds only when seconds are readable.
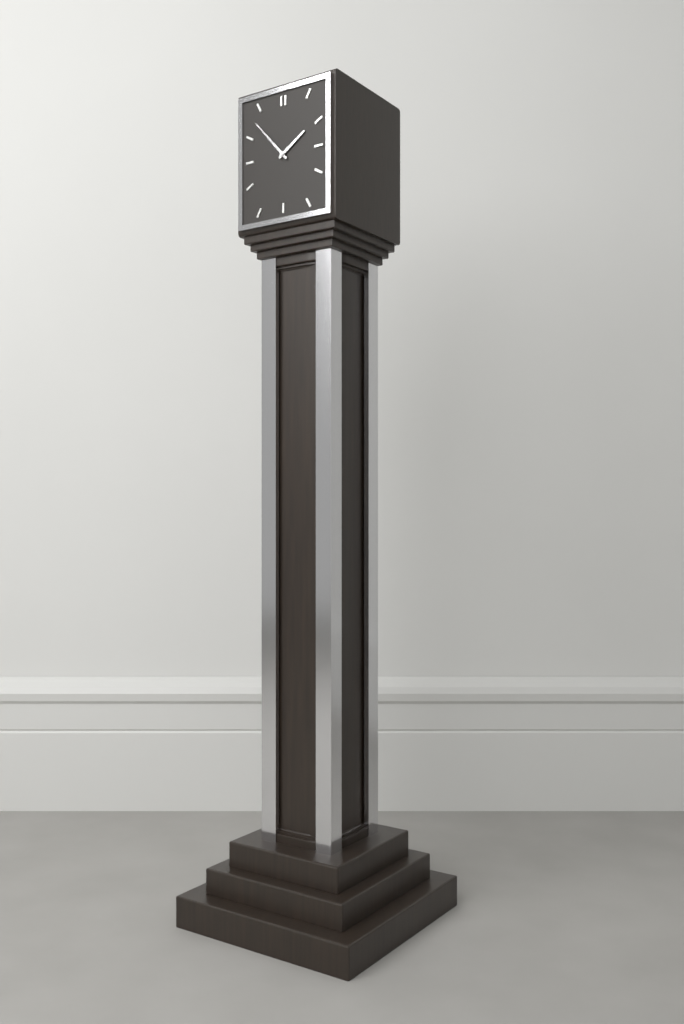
1.53
